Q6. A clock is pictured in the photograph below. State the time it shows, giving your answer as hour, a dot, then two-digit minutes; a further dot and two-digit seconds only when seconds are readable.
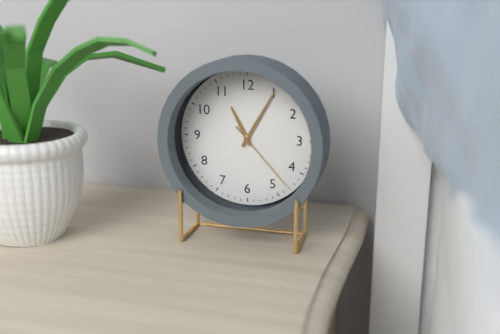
11.05.23
